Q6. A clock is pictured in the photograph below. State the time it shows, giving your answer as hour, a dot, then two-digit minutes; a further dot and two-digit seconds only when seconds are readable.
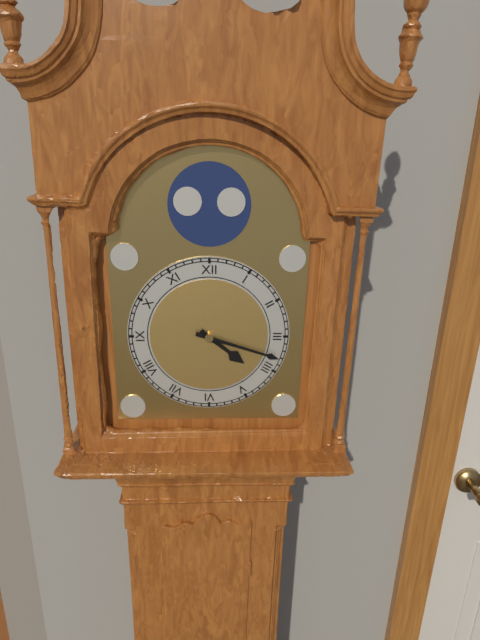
4.18
